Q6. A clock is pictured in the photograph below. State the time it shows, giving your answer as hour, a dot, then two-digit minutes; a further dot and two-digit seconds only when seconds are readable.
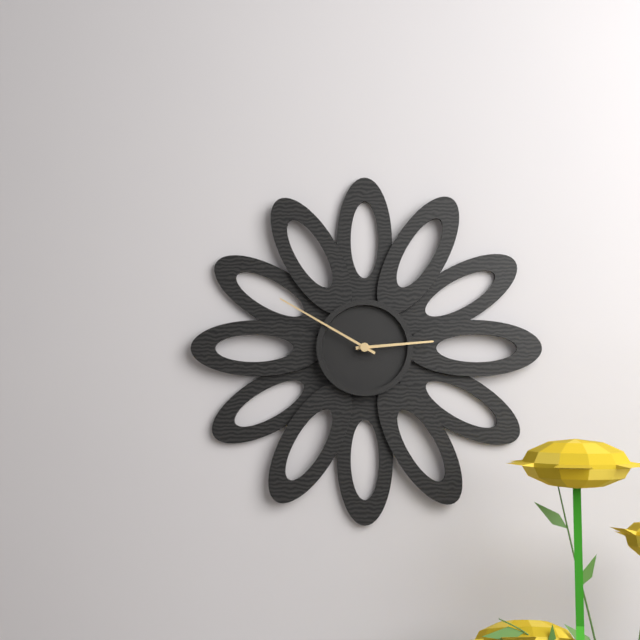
2.50
